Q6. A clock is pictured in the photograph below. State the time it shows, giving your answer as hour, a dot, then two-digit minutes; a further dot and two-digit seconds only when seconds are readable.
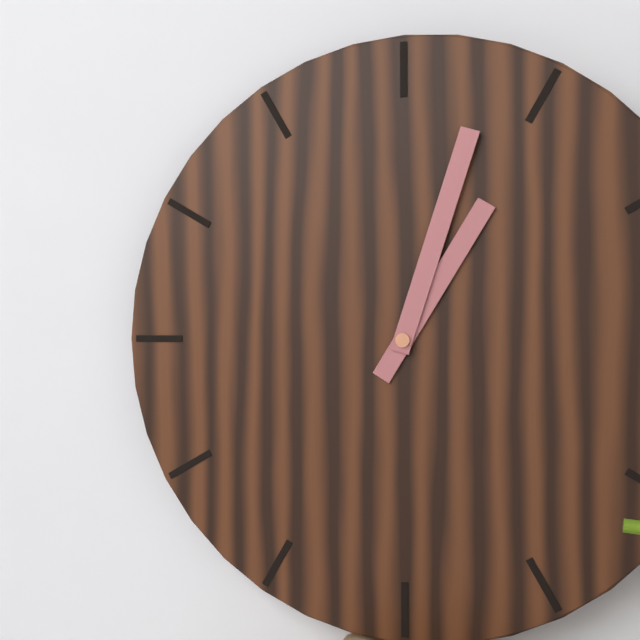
1.03
